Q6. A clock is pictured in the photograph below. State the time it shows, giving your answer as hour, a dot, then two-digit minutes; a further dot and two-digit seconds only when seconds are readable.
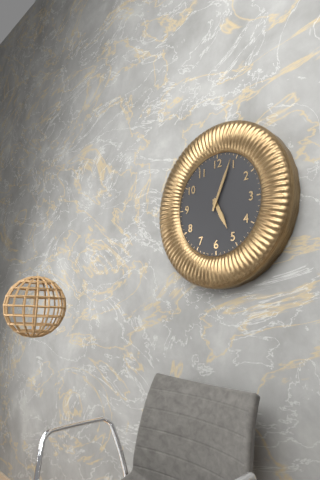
5.04
